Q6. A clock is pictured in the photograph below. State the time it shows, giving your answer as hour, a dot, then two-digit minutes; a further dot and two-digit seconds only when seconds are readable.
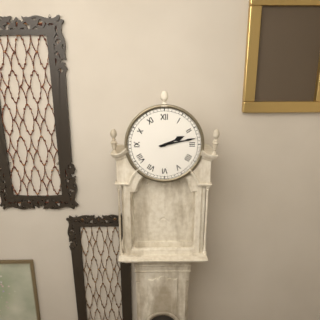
2.13
